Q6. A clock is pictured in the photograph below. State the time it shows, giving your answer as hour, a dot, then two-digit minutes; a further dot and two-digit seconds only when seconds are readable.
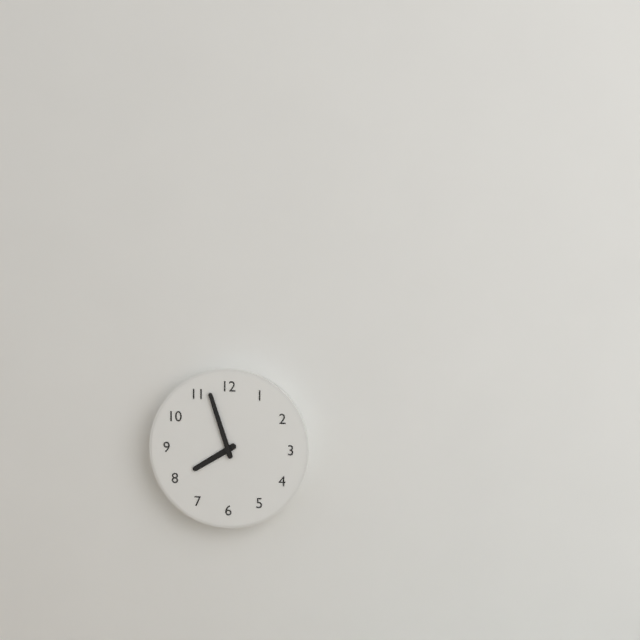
7.57
